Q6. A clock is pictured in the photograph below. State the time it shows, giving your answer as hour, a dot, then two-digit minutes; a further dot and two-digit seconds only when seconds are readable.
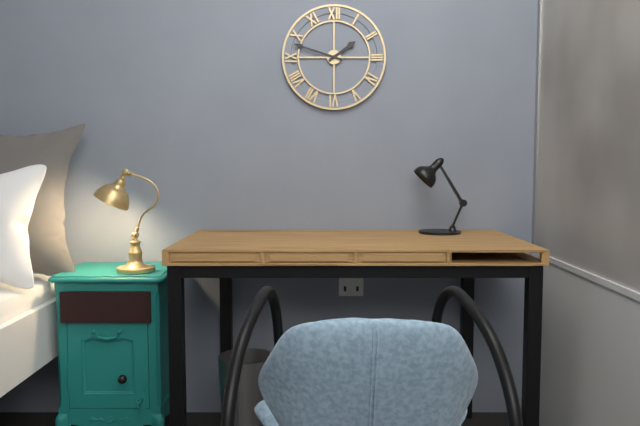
1.48
